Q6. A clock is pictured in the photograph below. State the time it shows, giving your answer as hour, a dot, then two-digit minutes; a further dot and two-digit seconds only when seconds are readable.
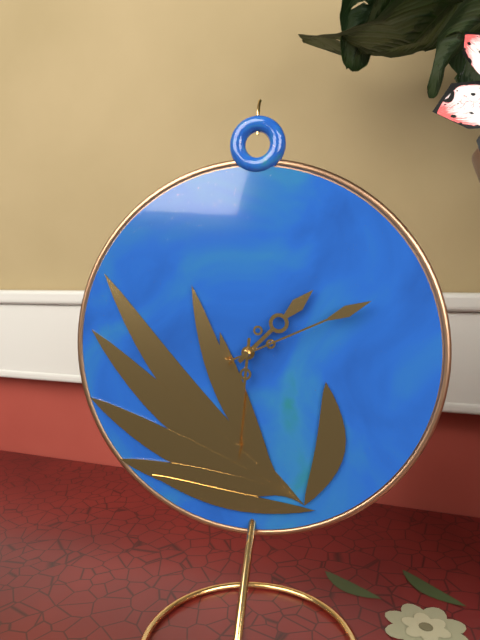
1.31.11
